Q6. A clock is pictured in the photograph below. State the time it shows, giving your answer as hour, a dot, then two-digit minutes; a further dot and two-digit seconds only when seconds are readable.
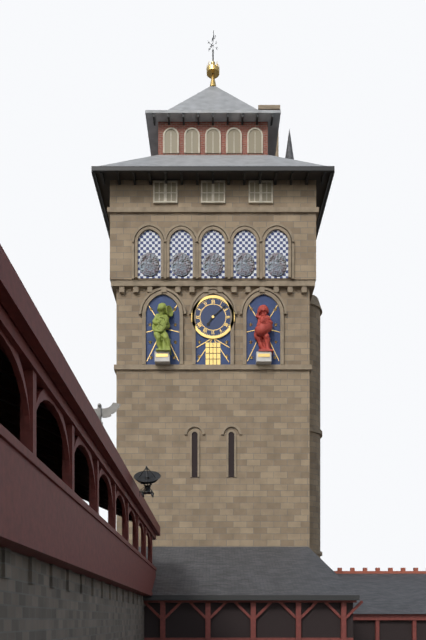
7.08
